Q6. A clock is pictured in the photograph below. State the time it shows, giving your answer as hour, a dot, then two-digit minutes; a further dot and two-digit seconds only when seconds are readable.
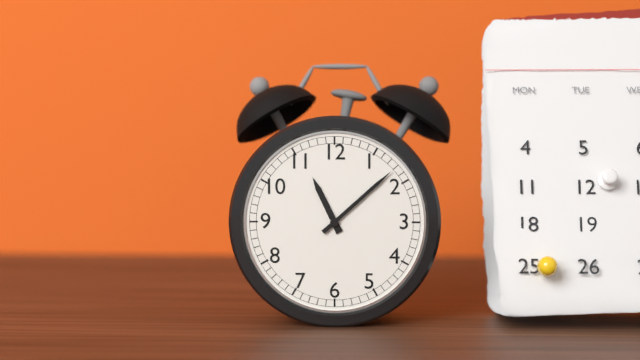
11.08
